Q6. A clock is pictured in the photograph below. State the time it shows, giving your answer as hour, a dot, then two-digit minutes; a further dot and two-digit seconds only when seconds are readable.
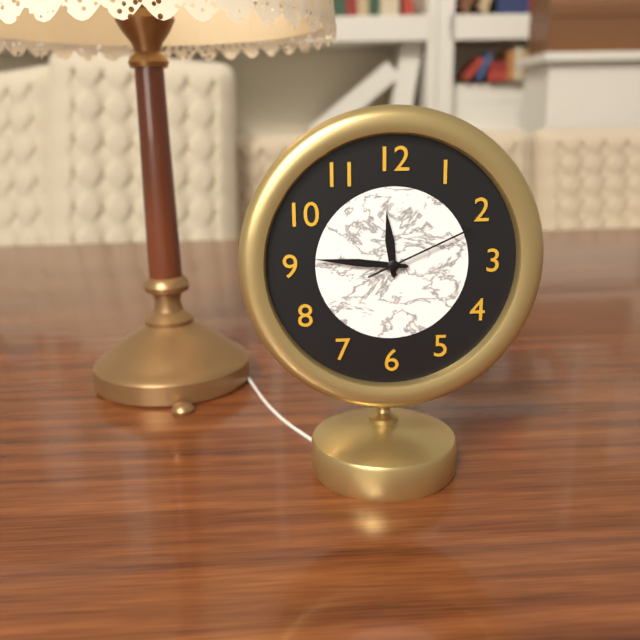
11.46.11
